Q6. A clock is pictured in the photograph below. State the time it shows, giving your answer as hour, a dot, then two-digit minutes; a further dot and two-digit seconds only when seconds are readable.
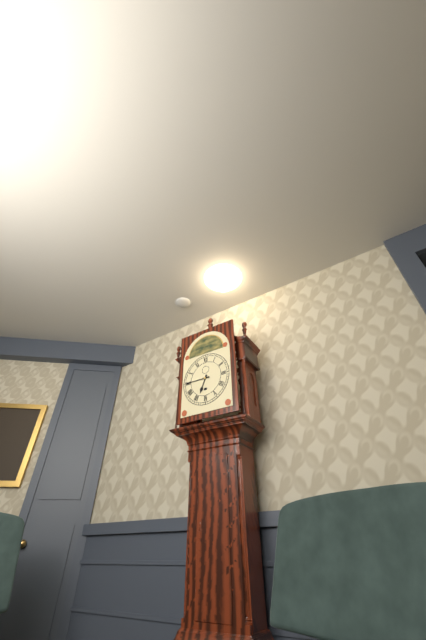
6.45
